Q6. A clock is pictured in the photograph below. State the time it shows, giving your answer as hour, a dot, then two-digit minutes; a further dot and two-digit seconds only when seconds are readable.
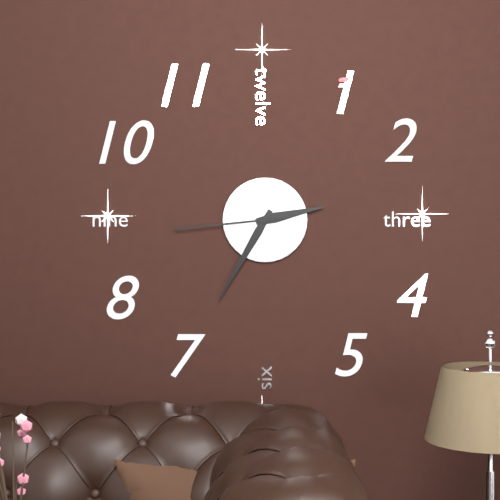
2.35.44
